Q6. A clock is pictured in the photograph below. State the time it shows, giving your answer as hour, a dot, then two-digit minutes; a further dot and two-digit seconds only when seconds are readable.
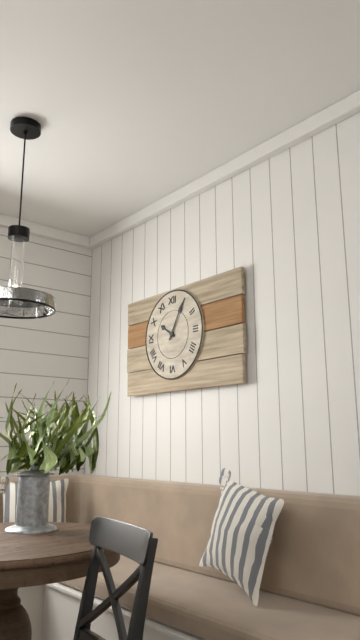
10.05
